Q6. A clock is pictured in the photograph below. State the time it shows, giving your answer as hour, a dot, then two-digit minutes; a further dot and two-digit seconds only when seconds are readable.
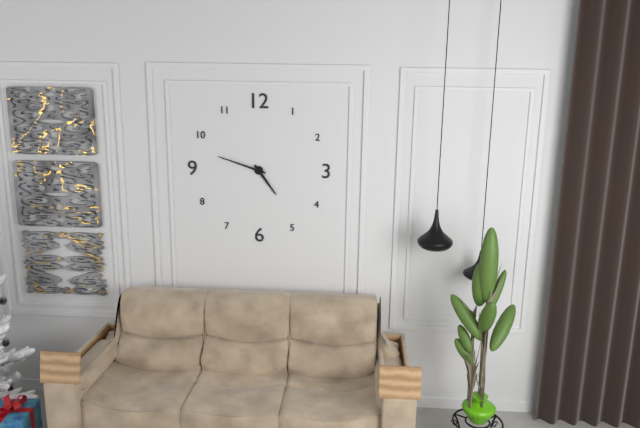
4.48
